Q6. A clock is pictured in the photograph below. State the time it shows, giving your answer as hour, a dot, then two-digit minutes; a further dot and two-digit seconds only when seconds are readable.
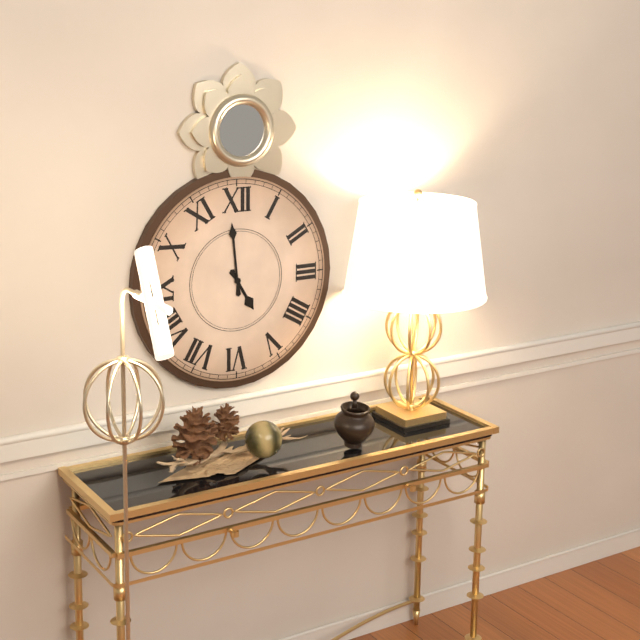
4.59
